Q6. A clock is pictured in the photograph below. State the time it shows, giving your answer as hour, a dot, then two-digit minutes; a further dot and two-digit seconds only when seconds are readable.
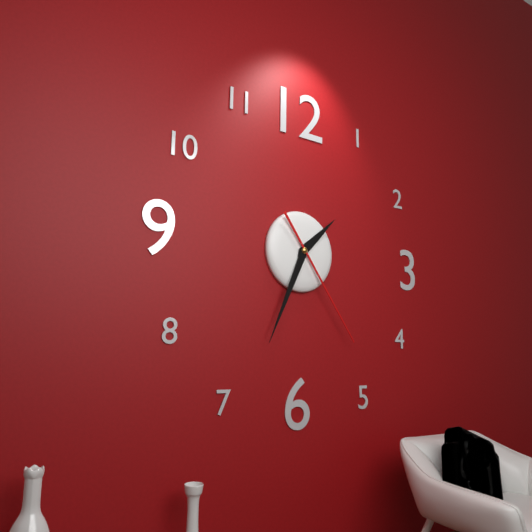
1.34.24
